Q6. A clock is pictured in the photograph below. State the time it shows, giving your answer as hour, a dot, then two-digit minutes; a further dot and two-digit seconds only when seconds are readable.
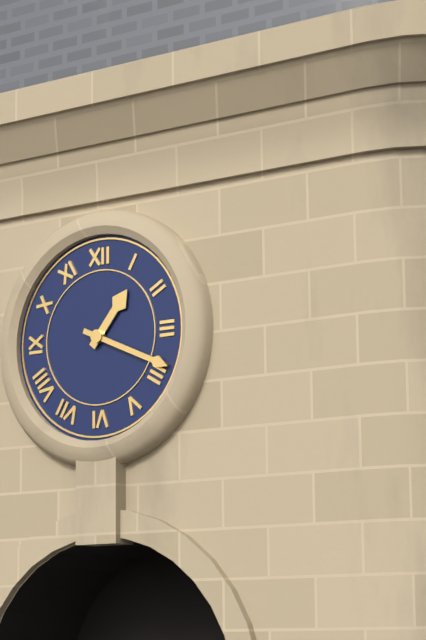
1.19
